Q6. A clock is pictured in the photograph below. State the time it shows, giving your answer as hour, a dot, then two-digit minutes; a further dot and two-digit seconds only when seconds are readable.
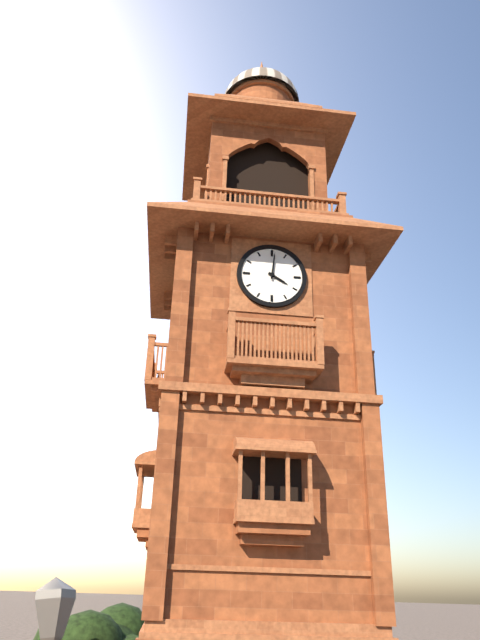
4.01
